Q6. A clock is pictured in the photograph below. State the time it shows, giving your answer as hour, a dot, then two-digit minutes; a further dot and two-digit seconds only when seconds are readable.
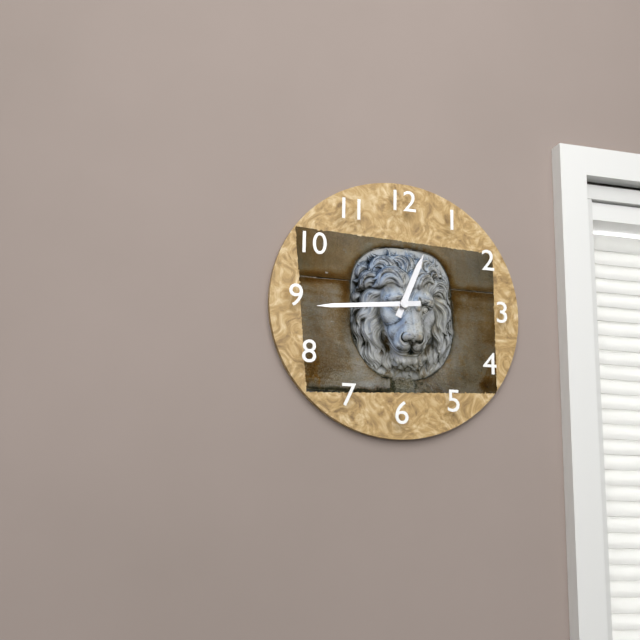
12.44
